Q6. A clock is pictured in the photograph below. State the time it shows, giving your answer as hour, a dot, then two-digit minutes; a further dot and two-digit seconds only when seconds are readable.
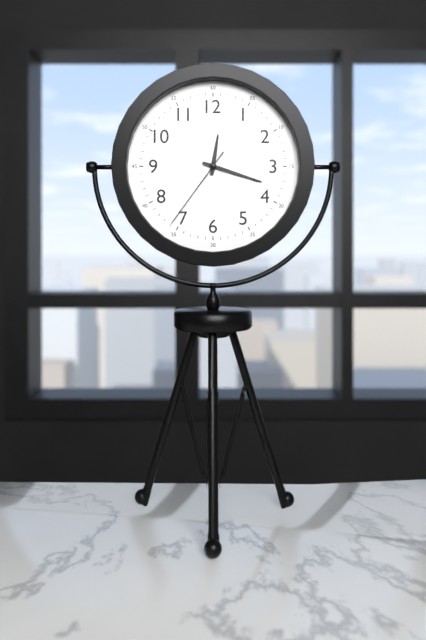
12.18.36
